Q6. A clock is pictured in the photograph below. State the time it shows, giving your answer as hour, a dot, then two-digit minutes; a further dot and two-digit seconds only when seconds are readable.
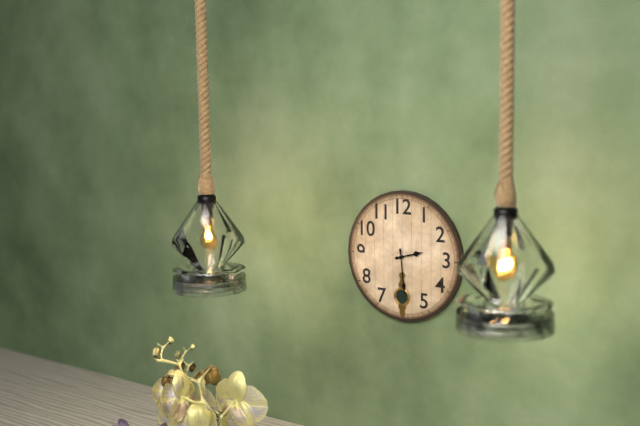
2.29
